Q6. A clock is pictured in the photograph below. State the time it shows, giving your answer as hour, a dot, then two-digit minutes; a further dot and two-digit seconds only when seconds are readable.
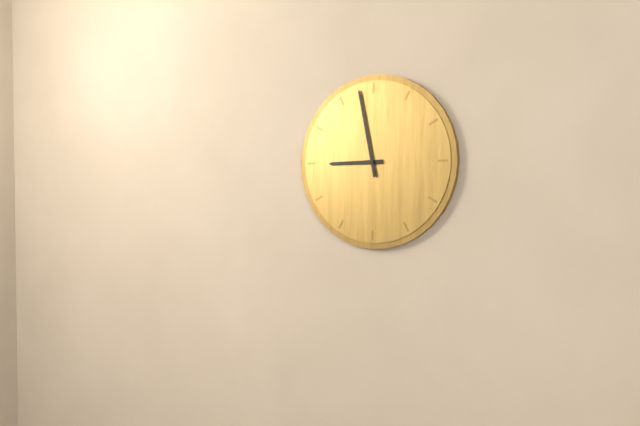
8.58
